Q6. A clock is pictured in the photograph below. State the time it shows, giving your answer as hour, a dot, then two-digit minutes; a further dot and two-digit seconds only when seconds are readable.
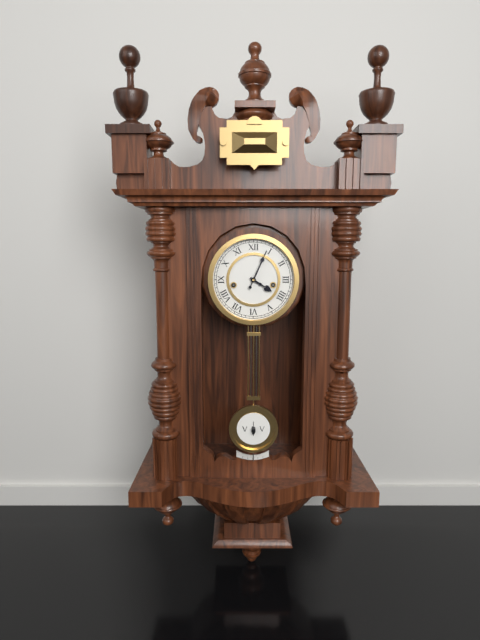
4.04
